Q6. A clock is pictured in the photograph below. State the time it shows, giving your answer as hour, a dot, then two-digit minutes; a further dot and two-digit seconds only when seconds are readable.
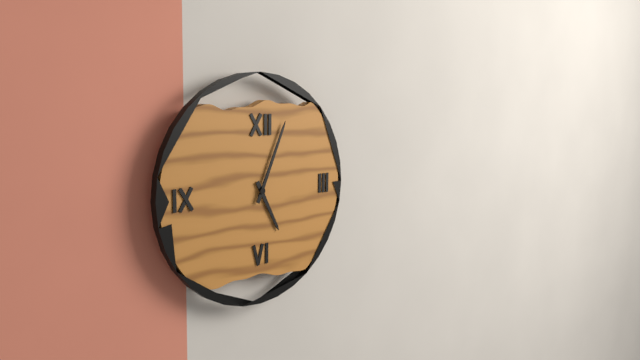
5.04
